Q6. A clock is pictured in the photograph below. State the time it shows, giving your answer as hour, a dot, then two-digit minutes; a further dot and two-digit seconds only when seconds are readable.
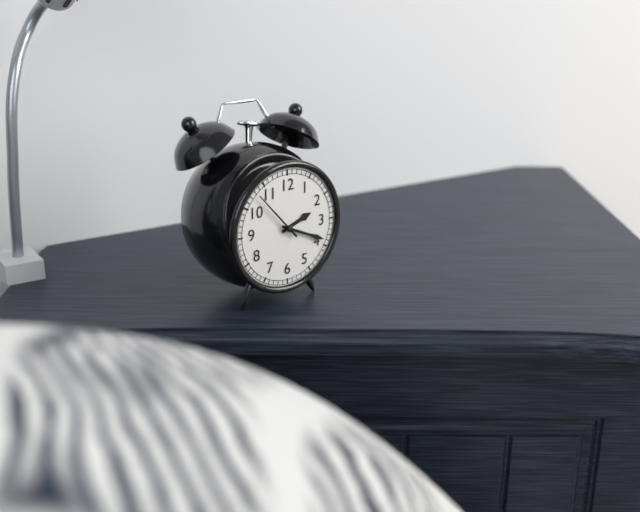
2.19.53
